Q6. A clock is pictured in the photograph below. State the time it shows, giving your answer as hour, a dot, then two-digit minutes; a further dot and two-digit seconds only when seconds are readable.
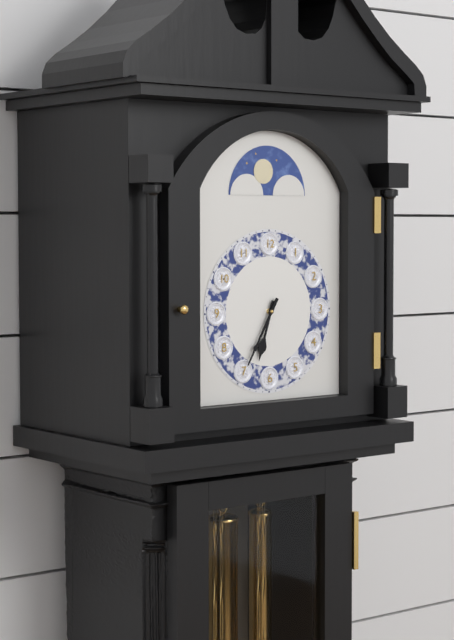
6.35
